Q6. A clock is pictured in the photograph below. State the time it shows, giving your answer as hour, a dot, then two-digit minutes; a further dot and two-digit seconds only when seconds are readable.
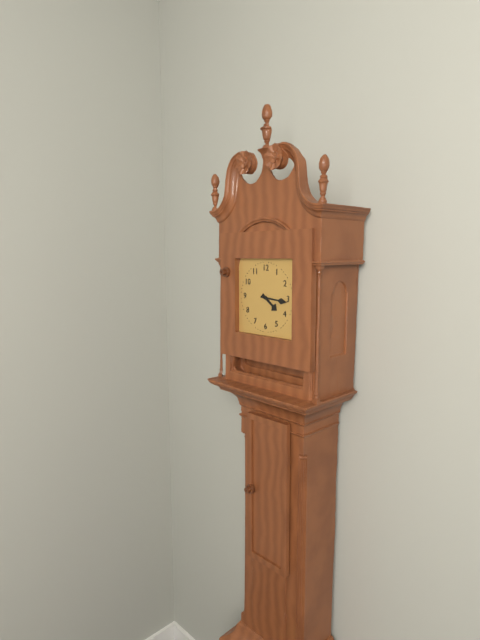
4.16
